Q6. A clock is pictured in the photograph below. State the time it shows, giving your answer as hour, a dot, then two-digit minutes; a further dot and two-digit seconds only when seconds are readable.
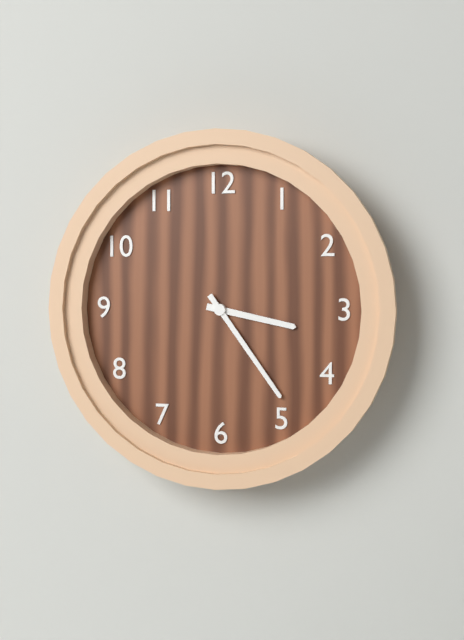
3.24
